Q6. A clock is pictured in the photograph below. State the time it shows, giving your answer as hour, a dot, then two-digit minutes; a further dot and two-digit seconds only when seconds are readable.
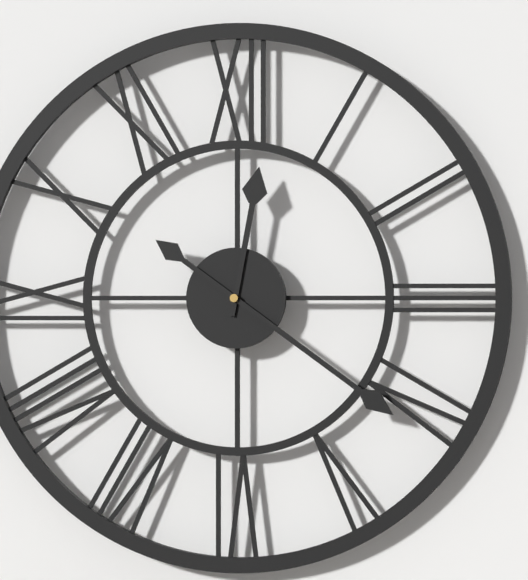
12.21
